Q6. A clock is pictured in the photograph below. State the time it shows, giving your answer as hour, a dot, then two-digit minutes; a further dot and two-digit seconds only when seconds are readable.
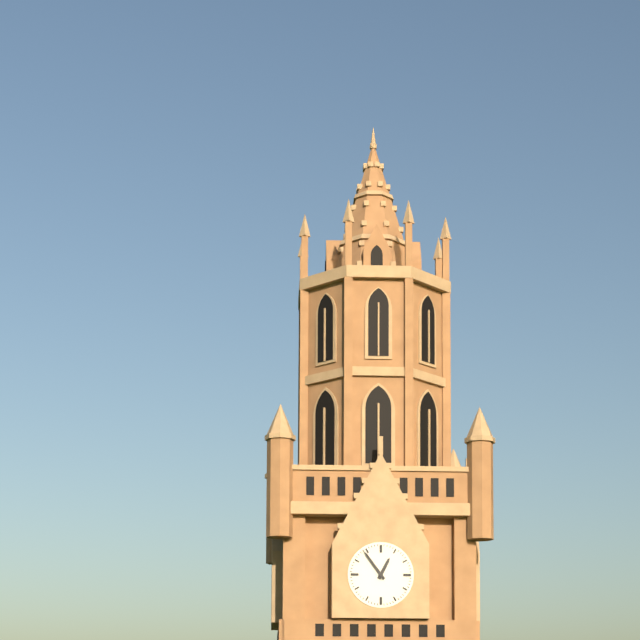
12.54
